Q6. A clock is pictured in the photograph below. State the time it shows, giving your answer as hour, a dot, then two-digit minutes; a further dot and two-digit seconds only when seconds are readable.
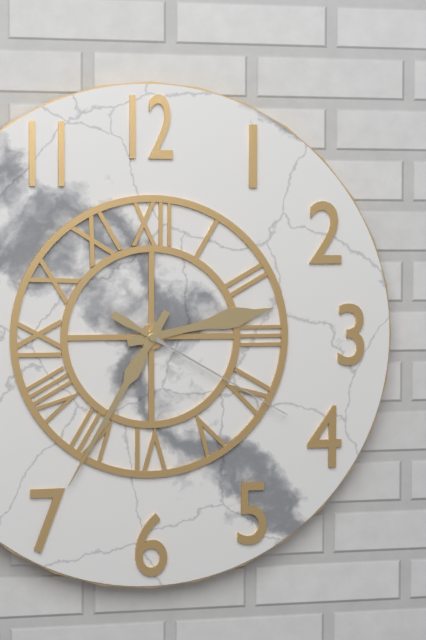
2.35.20
